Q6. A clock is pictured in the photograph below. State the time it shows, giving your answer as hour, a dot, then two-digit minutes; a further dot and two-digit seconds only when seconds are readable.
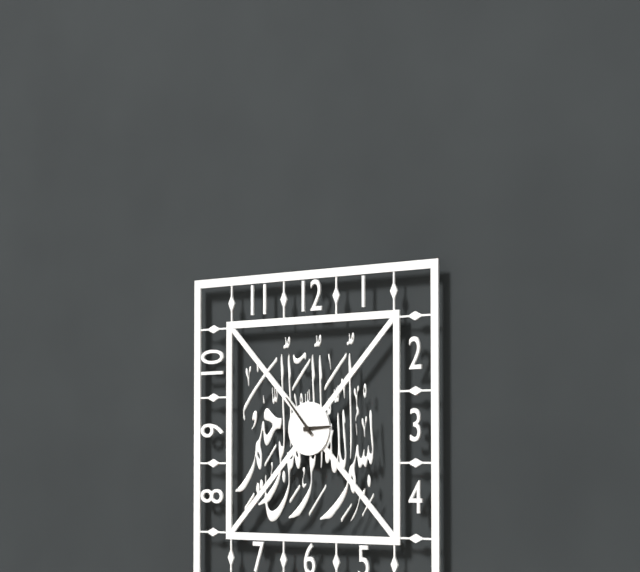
2.53
